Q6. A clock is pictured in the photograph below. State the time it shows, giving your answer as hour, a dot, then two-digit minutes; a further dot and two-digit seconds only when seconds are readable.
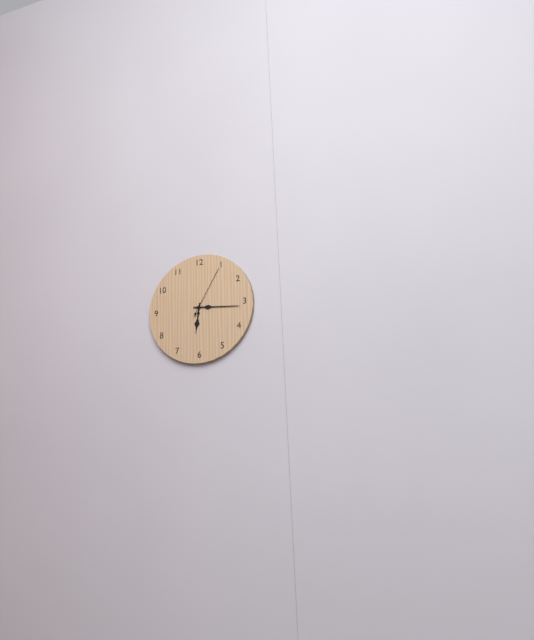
6.16.05
